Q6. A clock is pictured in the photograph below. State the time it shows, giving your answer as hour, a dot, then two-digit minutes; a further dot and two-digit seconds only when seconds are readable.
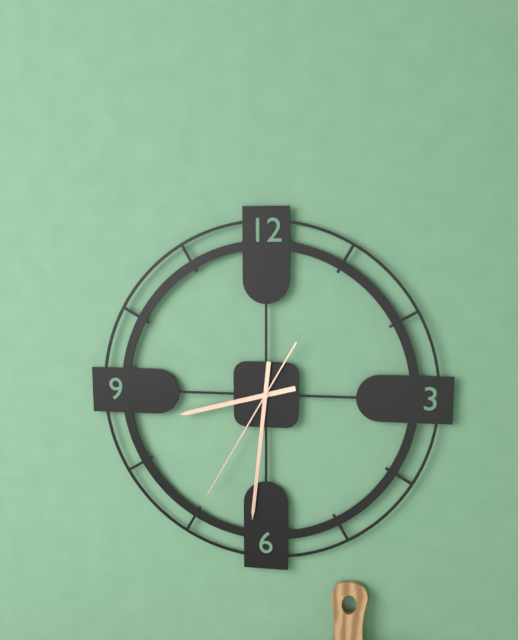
8.31.35
